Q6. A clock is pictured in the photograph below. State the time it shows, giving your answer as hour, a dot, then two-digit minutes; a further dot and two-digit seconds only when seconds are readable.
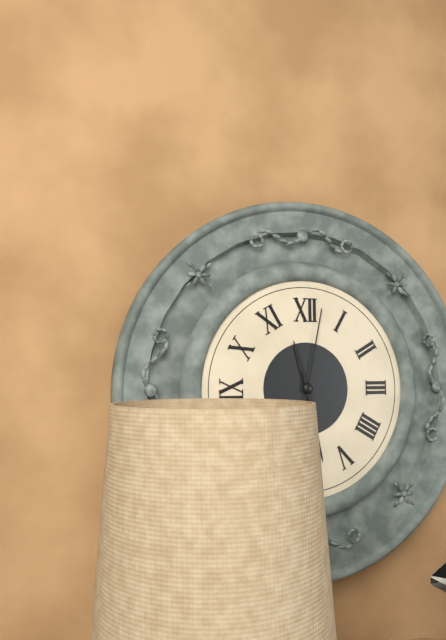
11.28.02
